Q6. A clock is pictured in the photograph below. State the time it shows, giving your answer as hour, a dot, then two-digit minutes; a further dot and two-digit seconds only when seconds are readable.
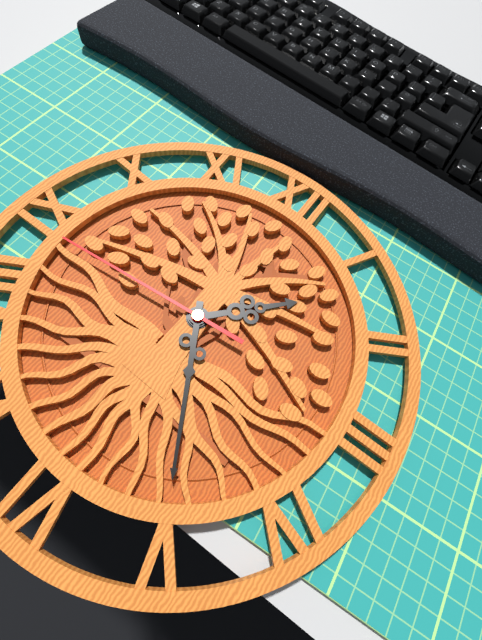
1.25.44
